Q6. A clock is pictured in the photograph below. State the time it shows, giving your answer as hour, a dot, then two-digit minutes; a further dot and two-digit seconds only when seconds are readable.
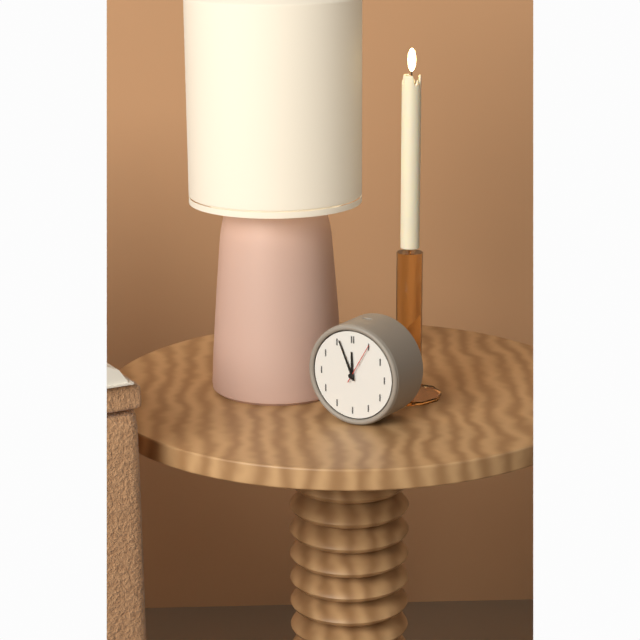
11.56
